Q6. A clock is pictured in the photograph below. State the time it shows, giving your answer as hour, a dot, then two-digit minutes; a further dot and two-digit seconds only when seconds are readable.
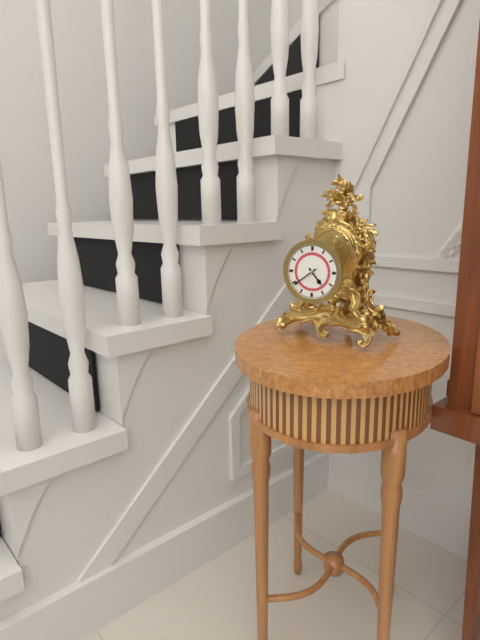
4.39
